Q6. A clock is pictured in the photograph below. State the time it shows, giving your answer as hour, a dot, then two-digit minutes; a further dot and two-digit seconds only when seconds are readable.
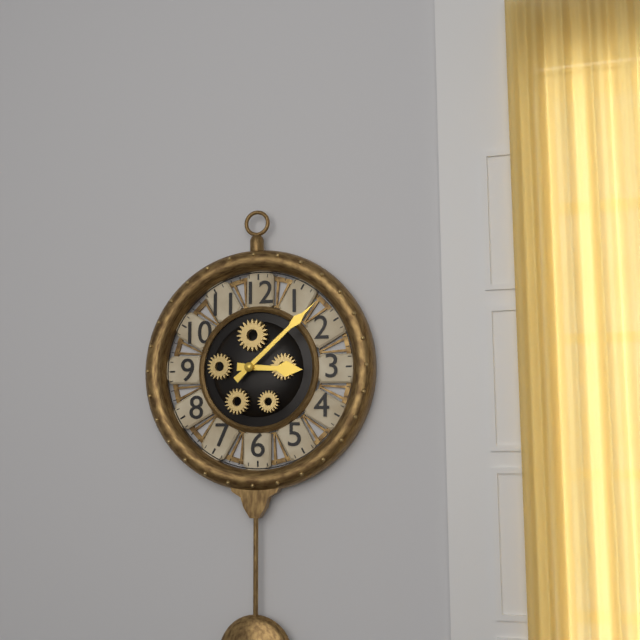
3.08
